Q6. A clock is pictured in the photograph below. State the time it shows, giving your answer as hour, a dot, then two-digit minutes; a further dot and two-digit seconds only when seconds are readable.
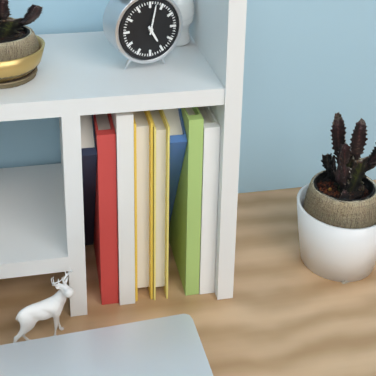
5.02
